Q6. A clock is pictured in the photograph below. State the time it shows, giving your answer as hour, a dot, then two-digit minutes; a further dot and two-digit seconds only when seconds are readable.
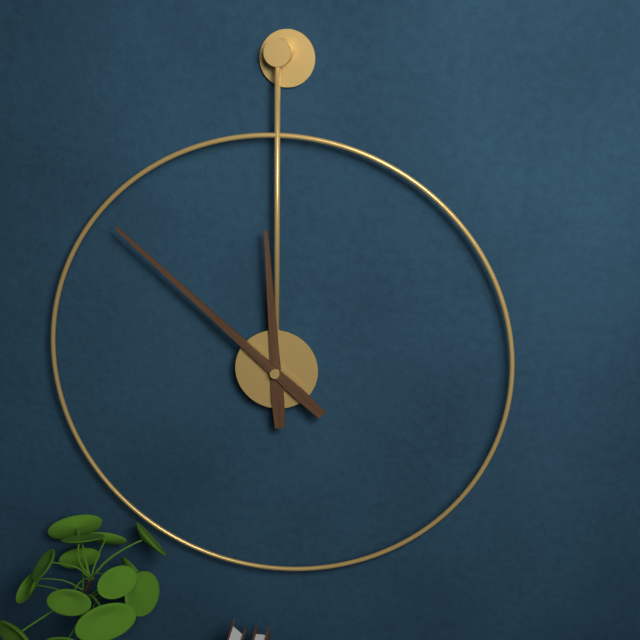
11.52
